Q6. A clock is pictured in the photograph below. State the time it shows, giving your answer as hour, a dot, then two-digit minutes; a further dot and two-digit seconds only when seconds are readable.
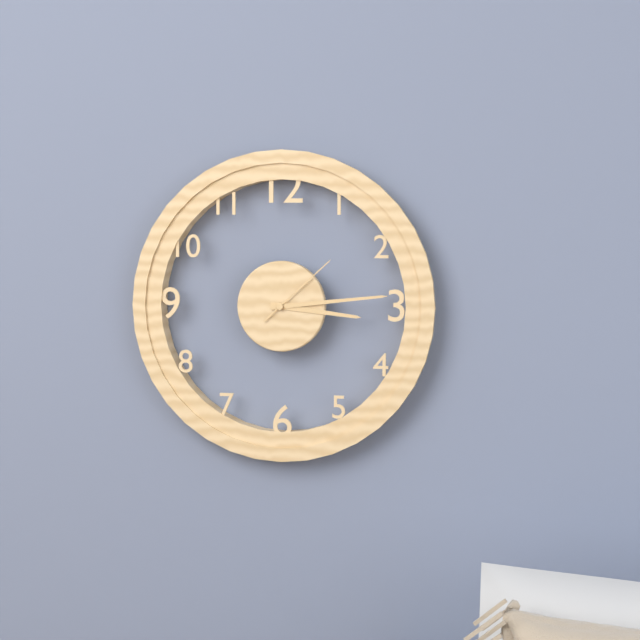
3.14.08
